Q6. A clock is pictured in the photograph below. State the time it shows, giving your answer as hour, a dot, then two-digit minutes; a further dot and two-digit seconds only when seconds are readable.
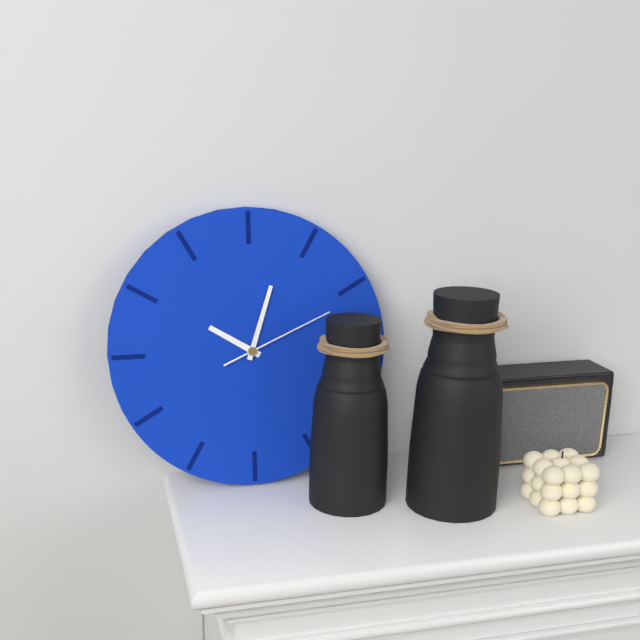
10.03.11
